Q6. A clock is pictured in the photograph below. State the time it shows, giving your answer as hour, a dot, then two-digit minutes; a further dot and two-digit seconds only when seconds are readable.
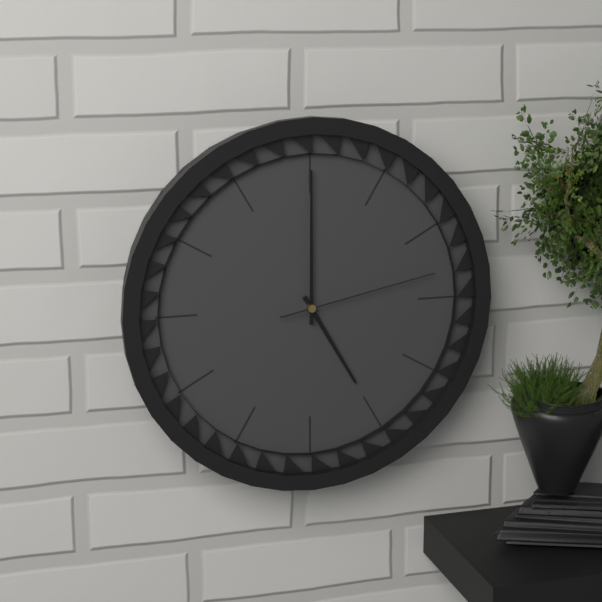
5.00.13
